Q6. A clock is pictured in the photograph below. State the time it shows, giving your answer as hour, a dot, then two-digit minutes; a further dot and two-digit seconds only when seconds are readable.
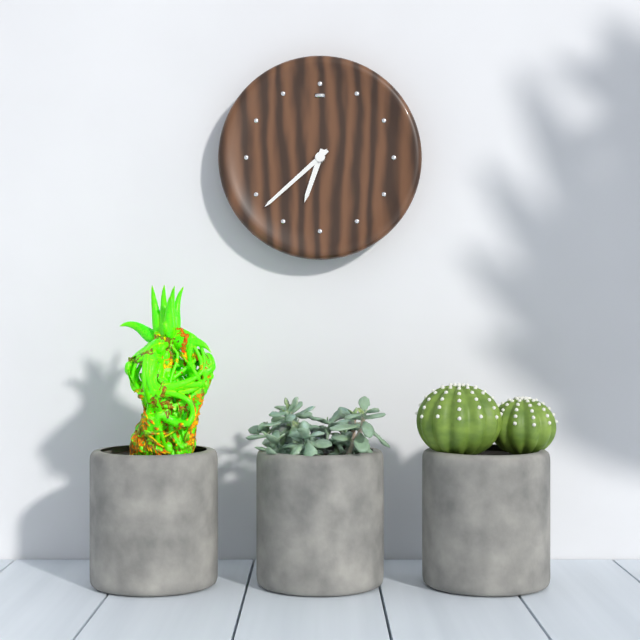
6.38
